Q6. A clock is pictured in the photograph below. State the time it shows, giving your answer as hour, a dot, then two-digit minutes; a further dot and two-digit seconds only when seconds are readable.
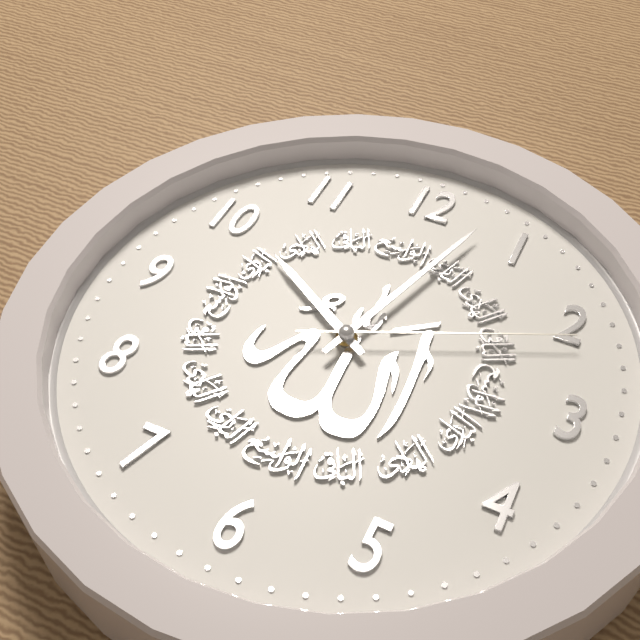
10.03.11
